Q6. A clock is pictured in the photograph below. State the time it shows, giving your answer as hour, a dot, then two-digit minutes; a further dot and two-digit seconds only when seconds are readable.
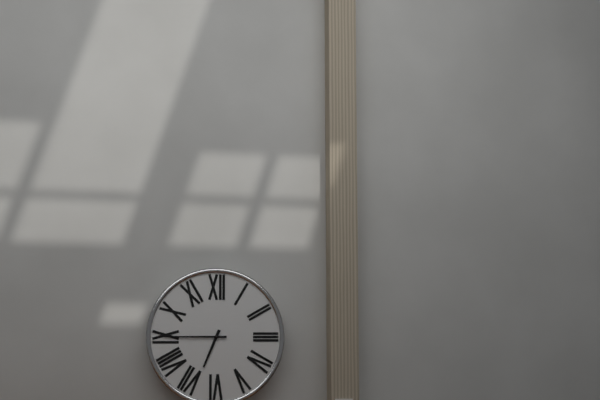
6.45
